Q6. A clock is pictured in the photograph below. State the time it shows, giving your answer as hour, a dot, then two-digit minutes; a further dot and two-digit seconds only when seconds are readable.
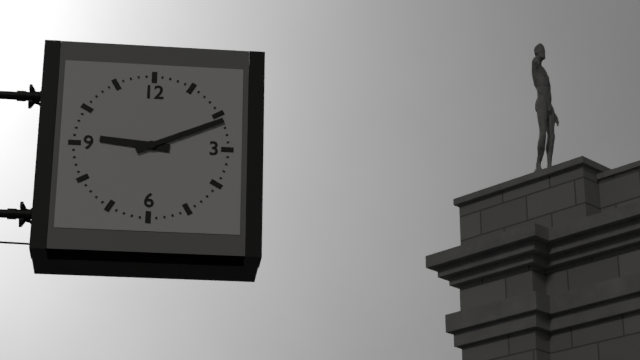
9.11
